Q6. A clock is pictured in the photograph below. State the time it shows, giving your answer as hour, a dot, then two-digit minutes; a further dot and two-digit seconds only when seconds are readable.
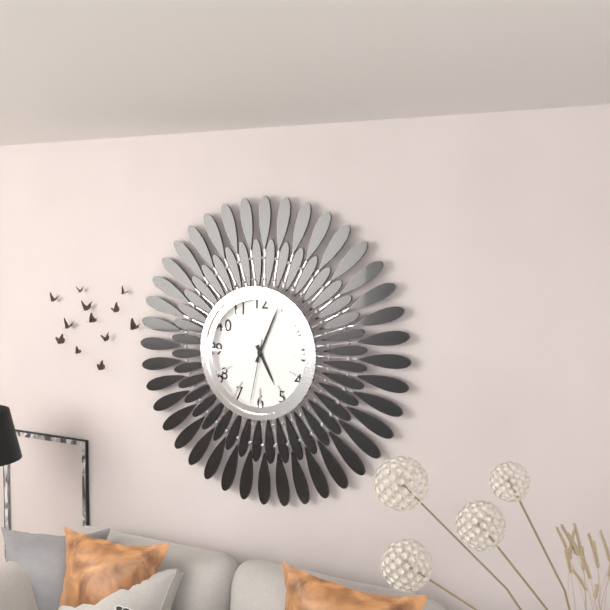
5.04.32
